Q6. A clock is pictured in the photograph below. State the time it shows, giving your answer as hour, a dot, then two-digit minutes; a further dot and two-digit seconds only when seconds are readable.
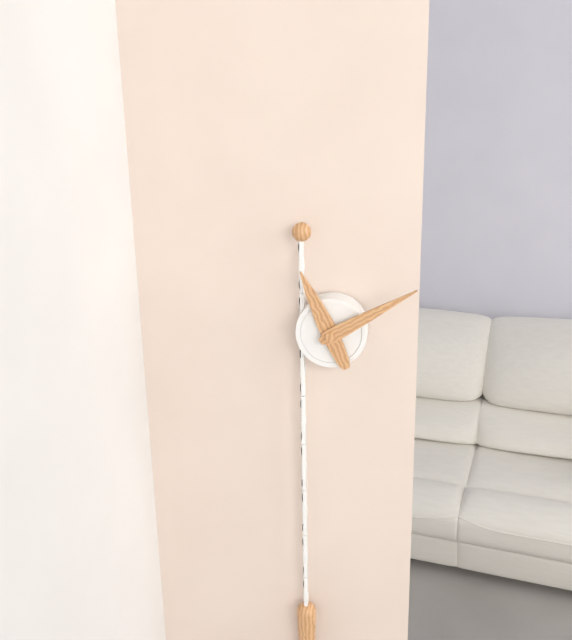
11.10
